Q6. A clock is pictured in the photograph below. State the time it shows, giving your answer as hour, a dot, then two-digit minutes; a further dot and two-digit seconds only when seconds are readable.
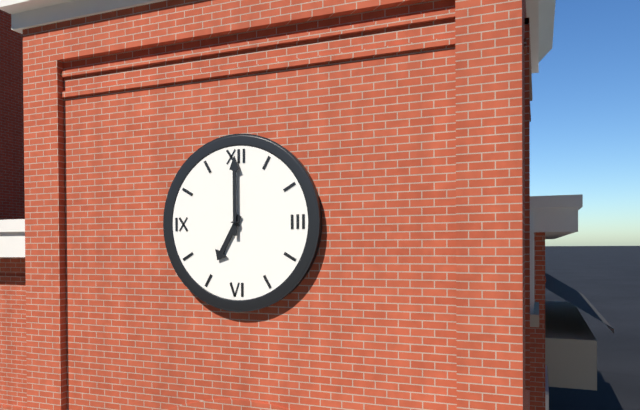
7.00
